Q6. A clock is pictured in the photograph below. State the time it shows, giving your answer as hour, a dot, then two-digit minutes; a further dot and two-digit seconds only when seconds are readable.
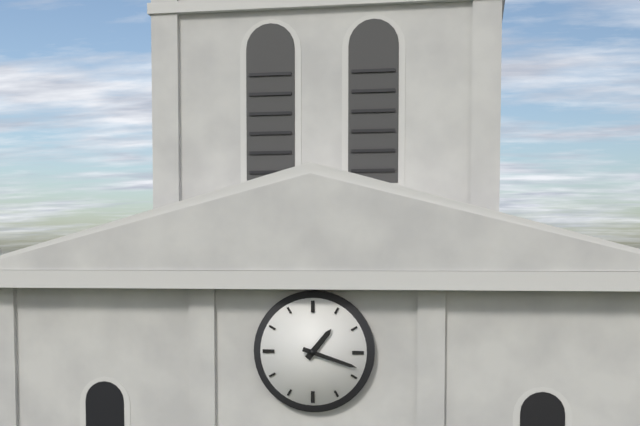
1.18
